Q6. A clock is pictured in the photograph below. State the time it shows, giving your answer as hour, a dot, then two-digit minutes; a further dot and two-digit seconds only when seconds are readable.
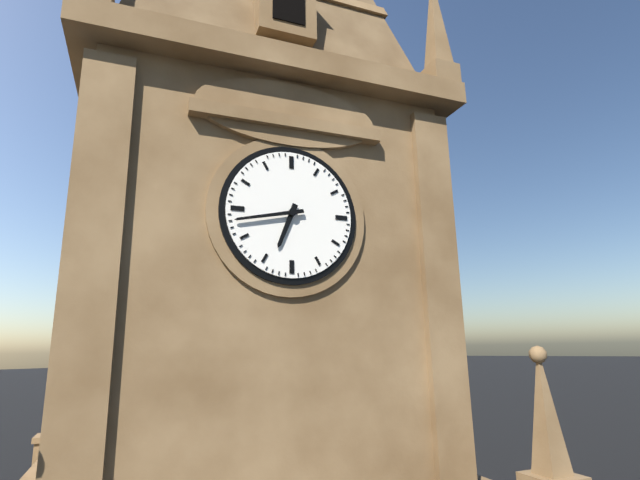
6.43
